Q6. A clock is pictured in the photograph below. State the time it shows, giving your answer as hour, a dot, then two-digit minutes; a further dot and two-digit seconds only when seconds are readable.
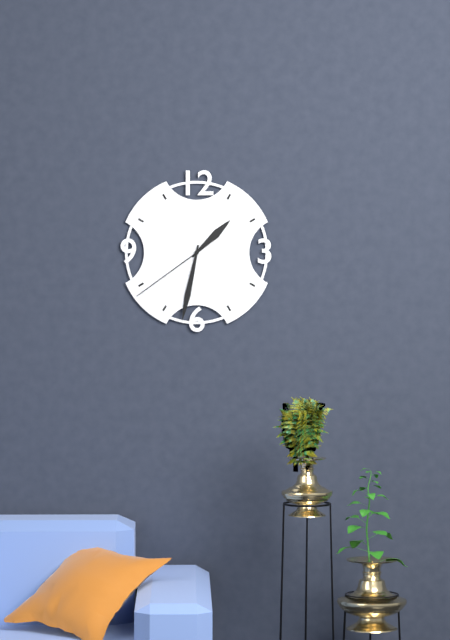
1.32.39
